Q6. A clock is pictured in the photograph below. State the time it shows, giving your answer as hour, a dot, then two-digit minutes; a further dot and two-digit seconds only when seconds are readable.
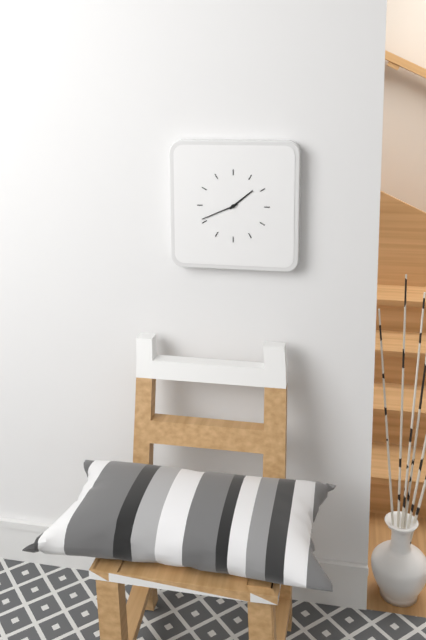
1.41
